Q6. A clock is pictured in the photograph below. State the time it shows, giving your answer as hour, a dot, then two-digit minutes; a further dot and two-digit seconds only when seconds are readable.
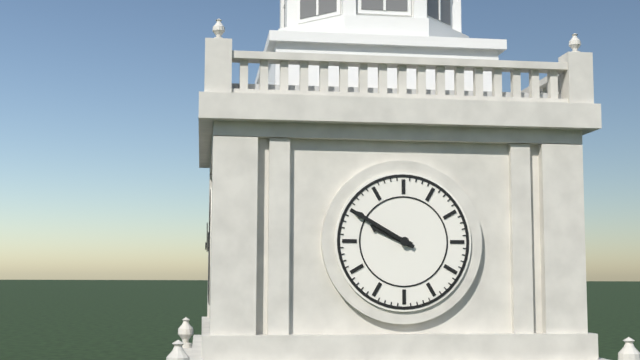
9.50
